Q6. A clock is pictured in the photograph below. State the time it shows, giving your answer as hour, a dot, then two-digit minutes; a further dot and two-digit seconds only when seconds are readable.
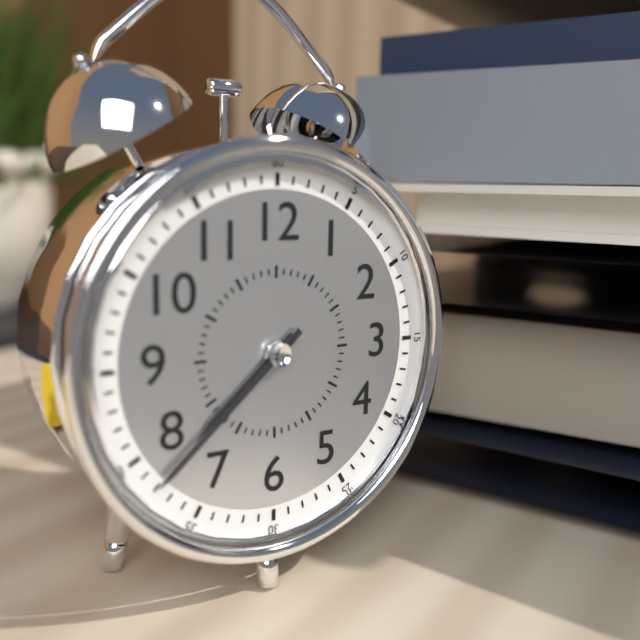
7.38
